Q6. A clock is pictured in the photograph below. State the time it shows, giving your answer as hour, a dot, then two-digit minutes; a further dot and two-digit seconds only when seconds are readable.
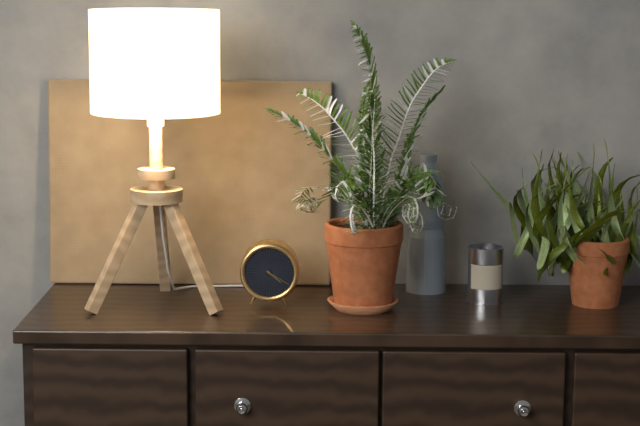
4.20
